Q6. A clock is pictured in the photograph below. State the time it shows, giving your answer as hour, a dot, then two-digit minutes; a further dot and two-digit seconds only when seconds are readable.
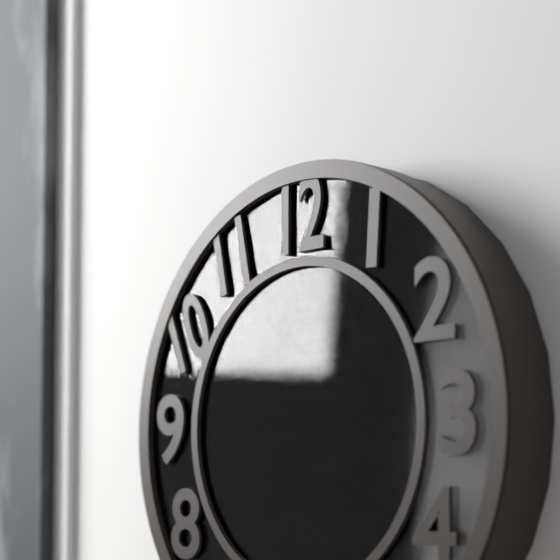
9.43
